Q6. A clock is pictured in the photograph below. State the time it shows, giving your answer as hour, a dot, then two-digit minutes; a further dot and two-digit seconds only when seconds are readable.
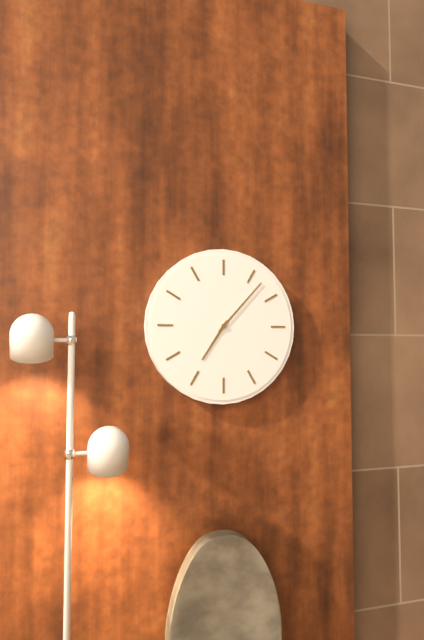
7.07
